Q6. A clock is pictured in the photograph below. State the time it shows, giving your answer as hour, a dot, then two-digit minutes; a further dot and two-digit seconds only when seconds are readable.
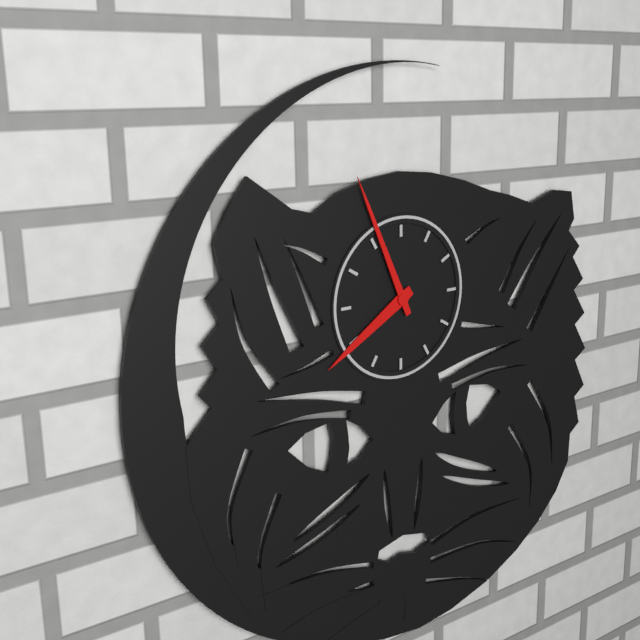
7.56
